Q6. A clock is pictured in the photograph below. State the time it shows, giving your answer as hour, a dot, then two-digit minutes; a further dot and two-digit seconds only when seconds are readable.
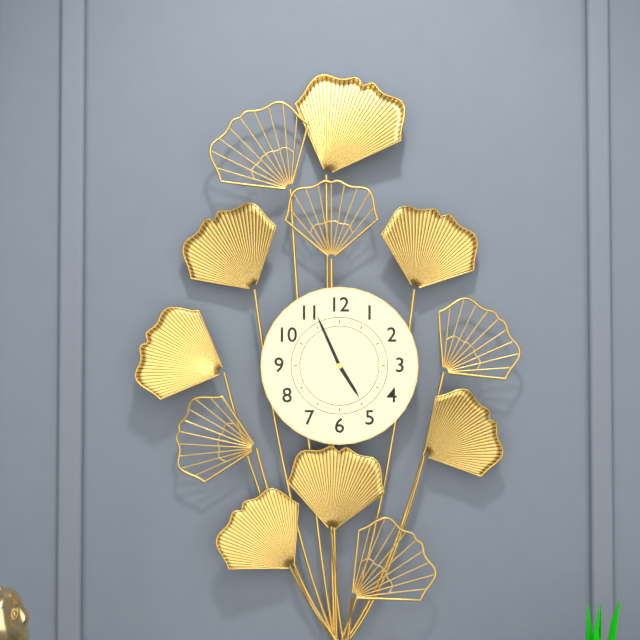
4.56
